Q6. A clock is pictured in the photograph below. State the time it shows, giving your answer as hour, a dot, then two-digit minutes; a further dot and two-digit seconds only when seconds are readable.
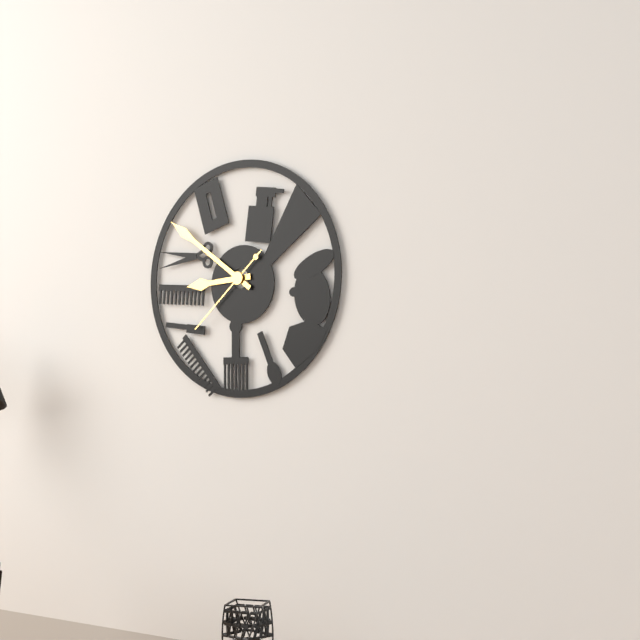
8.51.38
